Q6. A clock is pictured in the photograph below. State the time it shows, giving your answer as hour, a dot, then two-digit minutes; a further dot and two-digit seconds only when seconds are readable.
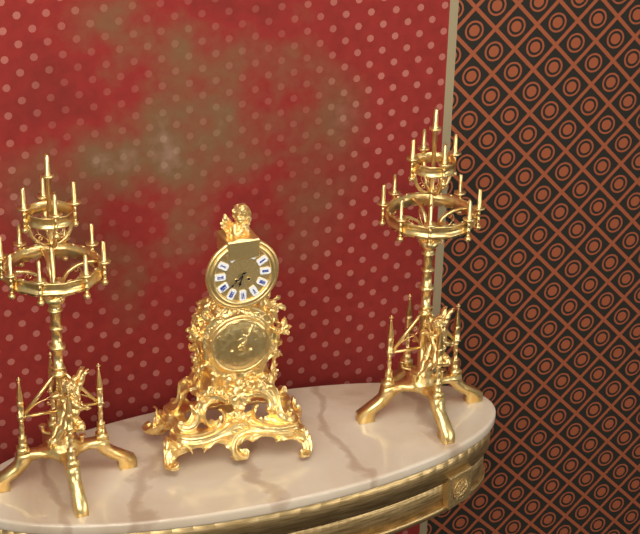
6.38
